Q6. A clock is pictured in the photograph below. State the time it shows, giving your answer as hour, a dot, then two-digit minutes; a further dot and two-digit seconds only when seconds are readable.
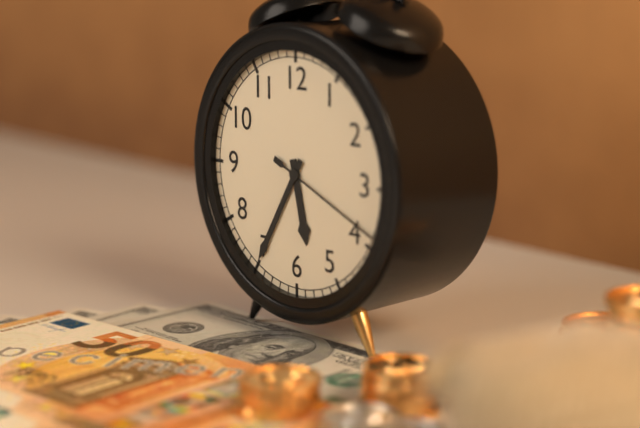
5.35.19
